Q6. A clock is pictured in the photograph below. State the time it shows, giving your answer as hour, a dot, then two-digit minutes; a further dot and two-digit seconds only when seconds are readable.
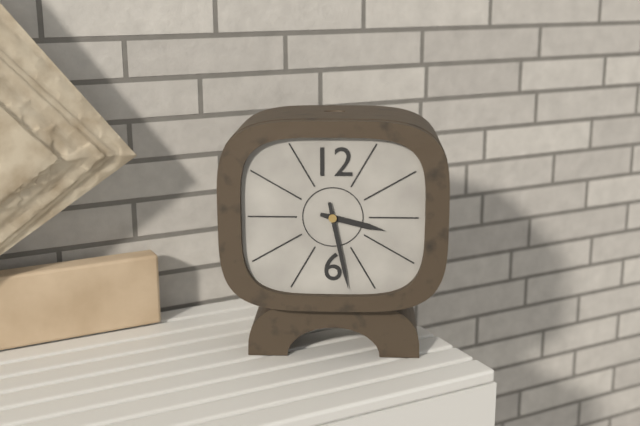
3.28
